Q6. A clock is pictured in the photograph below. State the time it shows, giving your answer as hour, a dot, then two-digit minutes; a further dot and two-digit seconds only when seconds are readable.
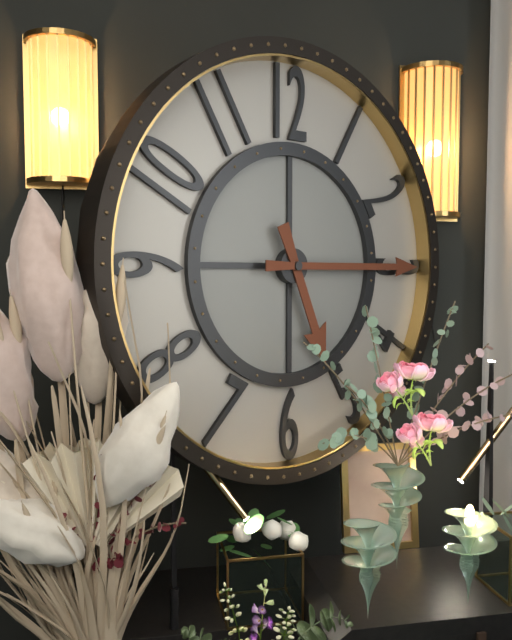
5.15
